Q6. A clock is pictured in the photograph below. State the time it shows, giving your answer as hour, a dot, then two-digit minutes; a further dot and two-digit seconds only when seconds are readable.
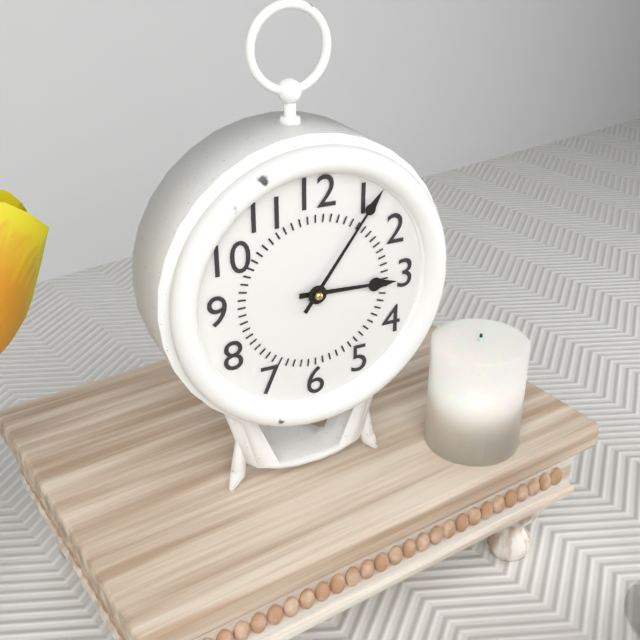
3.06
